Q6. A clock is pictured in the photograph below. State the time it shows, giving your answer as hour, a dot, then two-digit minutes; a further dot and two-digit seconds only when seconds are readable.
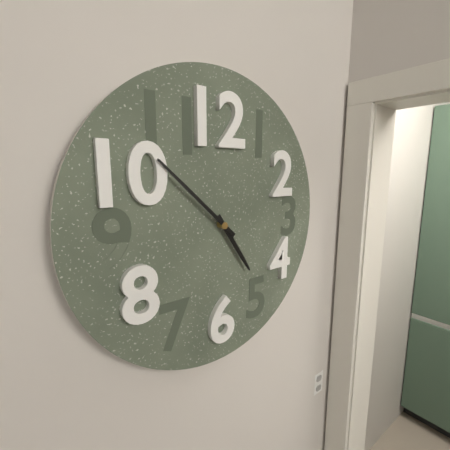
4.52
